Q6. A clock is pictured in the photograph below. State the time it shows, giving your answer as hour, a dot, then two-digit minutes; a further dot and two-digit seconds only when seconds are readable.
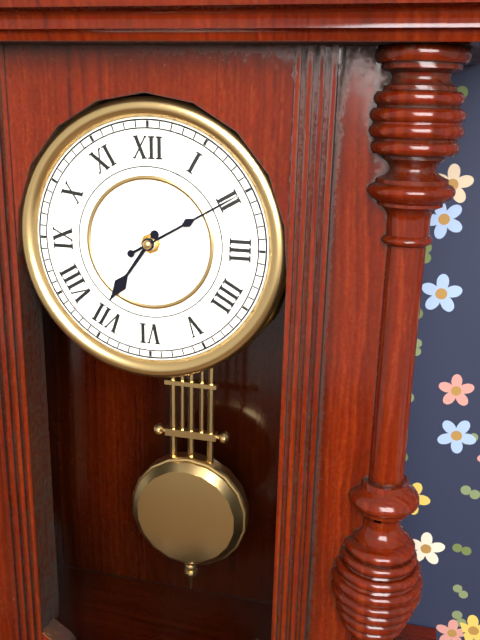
7.10
